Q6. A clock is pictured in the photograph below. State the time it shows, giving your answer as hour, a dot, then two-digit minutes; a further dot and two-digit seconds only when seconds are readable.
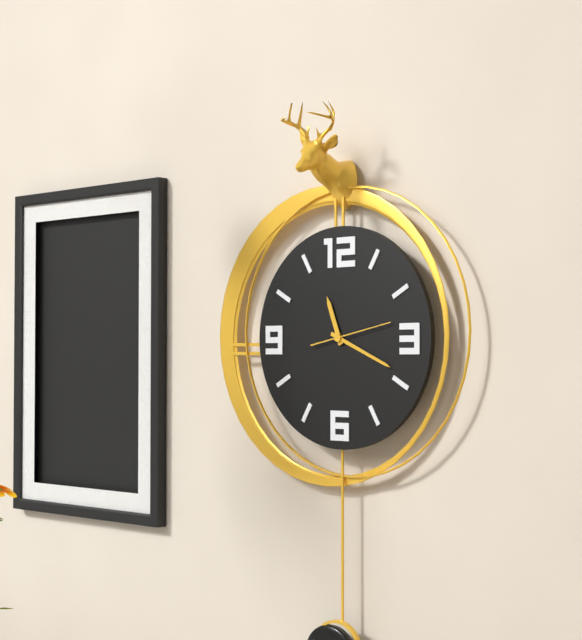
11.19
